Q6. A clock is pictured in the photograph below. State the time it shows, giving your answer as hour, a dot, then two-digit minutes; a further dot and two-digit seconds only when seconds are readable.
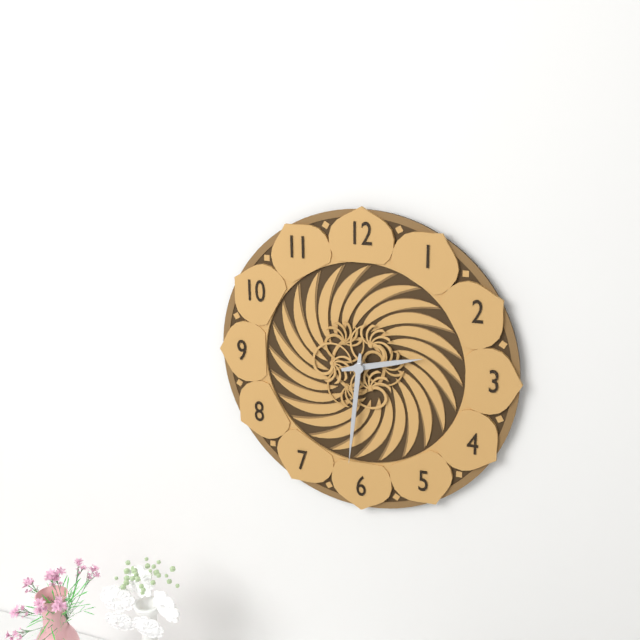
2.31
